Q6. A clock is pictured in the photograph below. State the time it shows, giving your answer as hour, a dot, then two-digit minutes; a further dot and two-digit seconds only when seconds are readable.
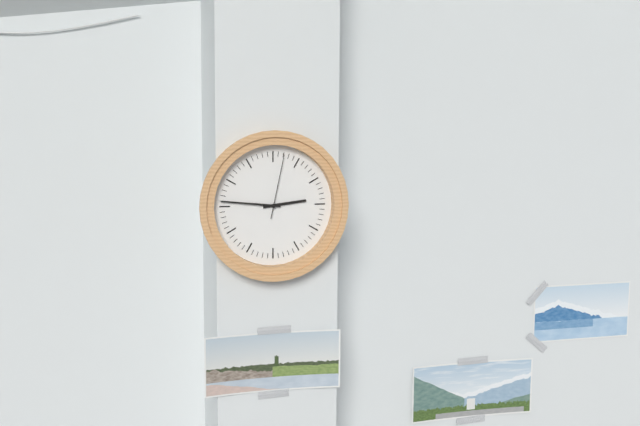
2.46.02
